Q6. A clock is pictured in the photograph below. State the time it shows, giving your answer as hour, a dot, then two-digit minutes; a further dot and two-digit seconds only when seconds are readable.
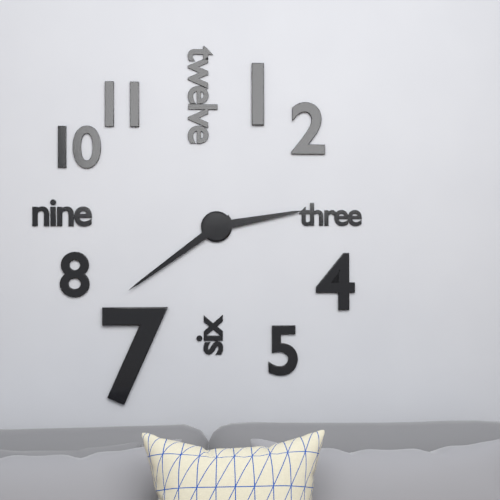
2.39
